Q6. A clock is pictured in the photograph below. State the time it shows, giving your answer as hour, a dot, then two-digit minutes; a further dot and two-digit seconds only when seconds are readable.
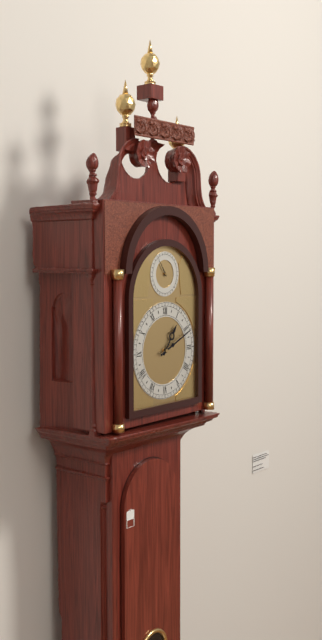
1.11
